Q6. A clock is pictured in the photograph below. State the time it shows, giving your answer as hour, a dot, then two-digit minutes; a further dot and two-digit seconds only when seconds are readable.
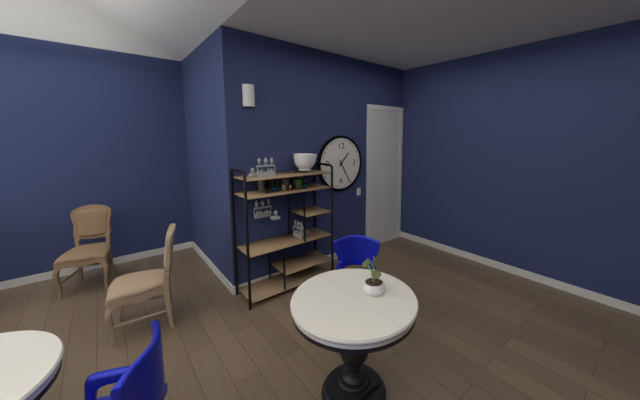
1.25
